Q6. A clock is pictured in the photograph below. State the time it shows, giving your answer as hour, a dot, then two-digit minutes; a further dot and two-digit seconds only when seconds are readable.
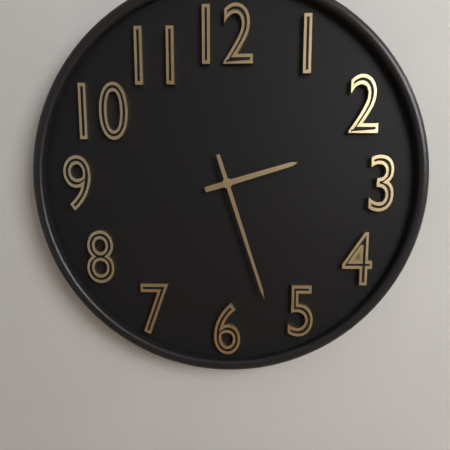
2.27
